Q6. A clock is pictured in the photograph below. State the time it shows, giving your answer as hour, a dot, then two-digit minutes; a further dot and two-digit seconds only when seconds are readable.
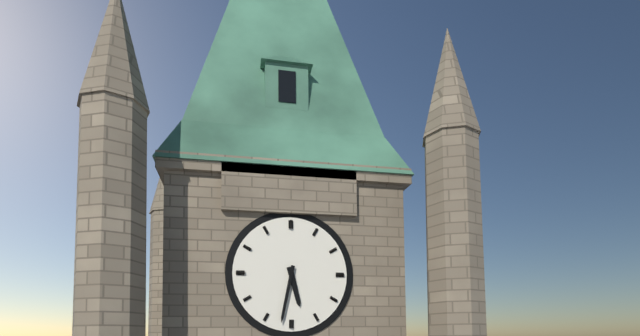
5.32
